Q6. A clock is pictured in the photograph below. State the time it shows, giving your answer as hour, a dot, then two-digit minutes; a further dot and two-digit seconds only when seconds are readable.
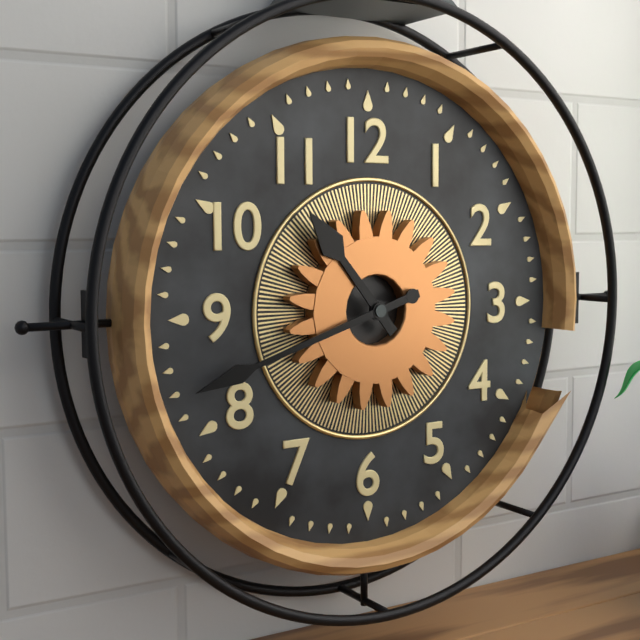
10.42
